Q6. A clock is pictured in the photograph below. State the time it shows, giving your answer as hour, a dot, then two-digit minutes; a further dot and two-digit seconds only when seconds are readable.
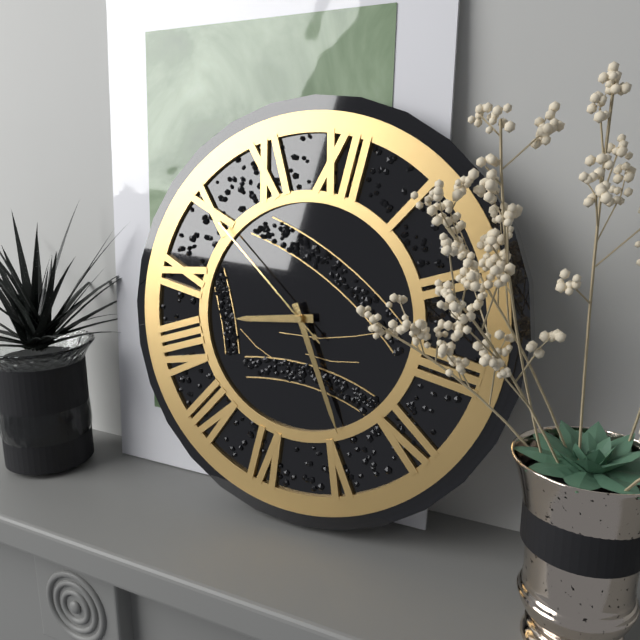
8.24.50
